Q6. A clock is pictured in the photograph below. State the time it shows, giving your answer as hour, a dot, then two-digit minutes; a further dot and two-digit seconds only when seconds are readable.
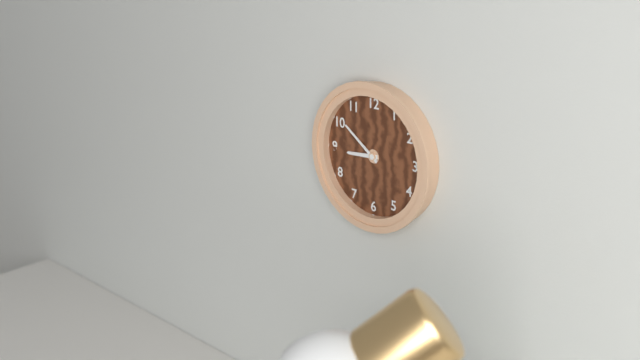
8.51
